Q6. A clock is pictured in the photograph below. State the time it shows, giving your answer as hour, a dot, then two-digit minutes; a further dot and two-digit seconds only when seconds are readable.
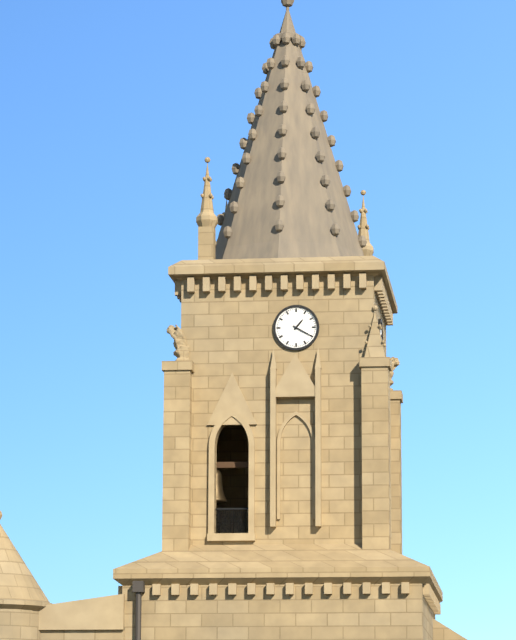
1.20
